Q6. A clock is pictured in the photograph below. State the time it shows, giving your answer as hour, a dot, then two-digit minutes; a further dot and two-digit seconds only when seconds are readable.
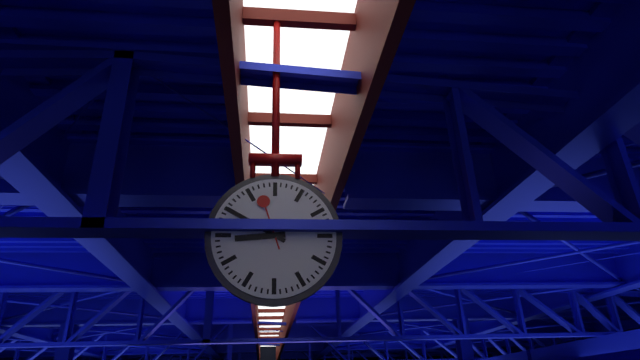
8.50.57
